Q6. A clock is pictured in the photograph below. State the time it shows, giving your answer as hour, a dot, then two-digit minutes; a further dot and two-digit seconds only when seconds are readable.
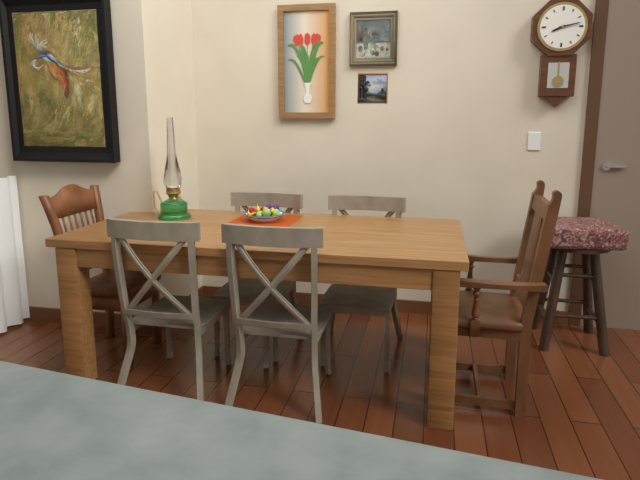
8.13
